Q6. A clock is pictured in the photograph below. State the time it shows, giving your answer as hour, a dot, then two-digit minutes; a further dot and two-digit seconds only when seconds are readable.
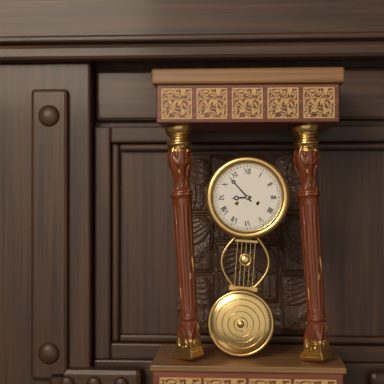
8.53
